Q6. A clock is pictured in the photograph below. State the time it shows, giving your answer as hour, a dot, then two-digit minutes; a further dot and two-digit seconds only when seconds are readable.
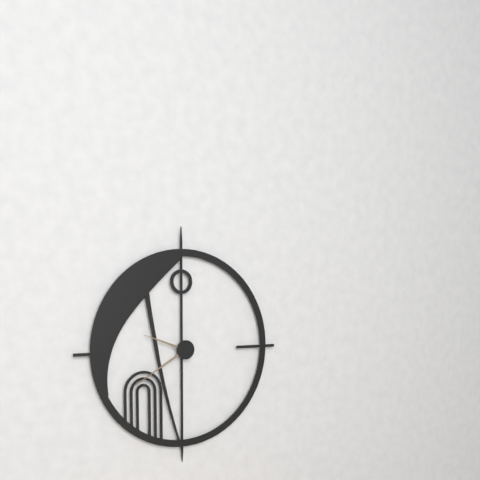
9.40
